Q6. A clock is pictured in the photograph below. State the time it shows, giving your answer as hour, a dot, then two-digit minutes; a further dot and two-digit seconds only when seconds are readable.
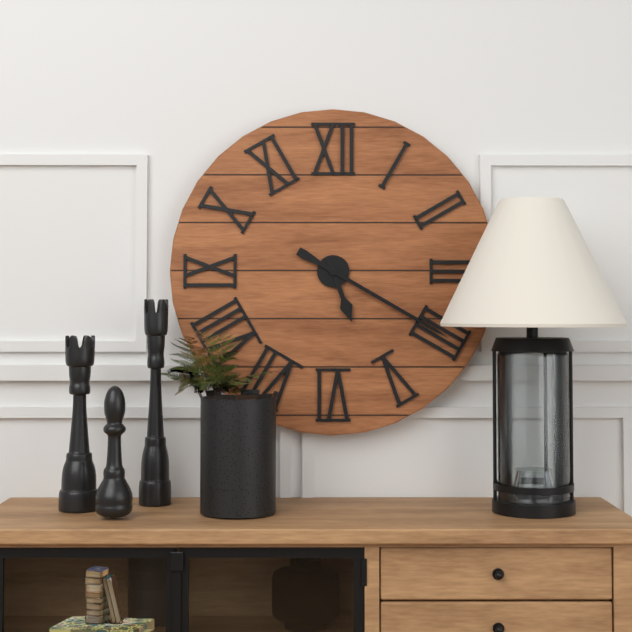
5.20
